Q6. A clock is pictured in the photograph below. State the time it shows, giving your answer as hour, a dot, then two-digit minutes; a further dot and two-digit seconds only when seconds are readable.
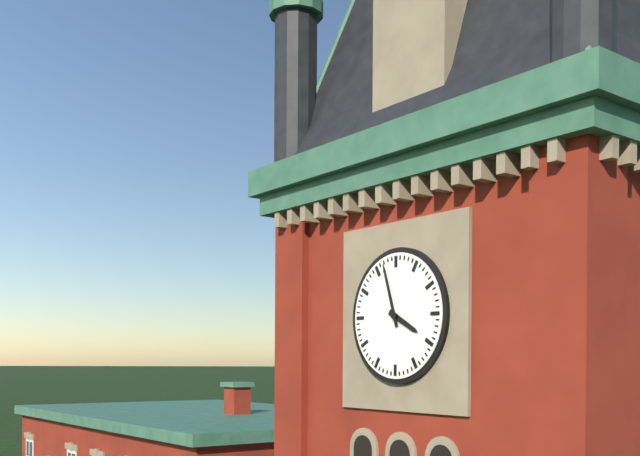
3.57
